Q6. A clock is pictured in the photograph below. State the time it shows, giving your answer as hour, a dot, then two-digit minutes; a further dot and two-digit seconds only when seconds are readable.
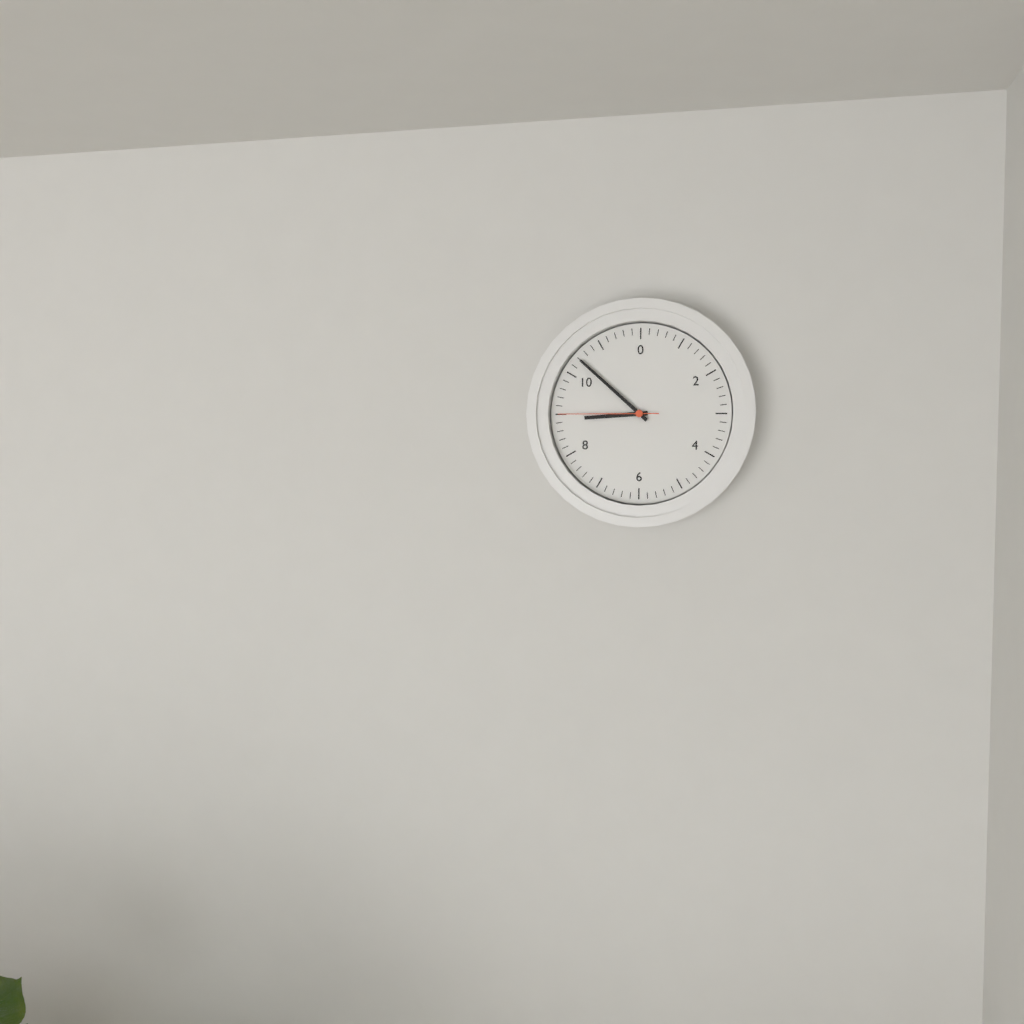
8.52.45
